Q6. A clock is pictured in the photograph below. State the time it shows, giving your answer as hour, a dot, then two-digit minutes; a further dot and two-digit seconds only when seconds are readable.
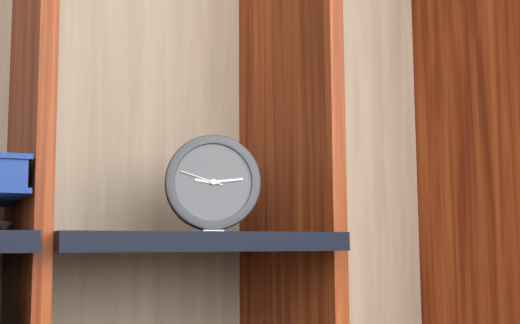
9.14
